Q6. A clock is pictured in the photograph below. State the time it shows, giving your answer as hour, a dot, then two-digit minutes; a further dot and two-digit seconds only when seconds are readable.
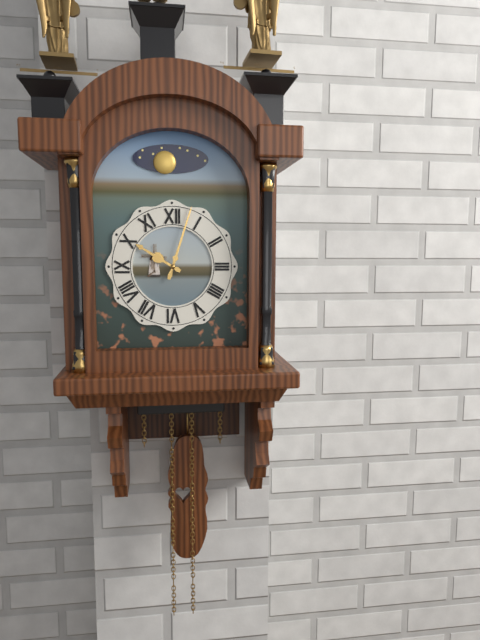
10.03
